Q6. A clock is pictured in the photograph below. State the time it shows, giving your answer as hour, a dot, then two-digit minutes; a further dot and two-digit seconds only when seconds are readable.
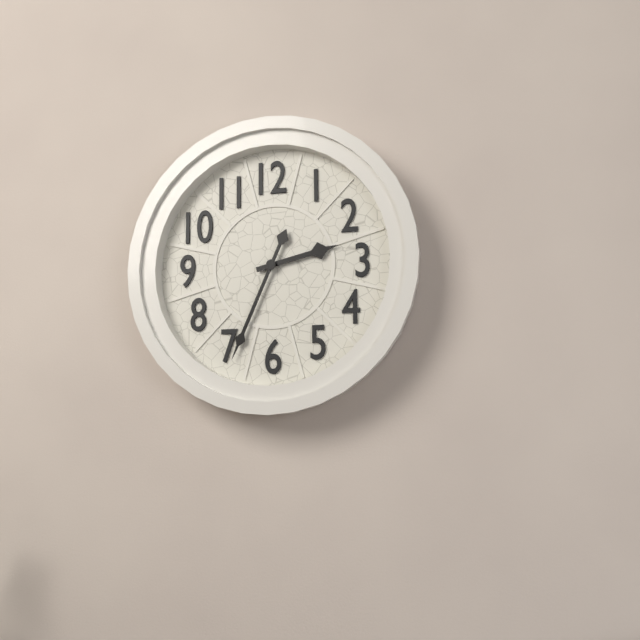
2.34
